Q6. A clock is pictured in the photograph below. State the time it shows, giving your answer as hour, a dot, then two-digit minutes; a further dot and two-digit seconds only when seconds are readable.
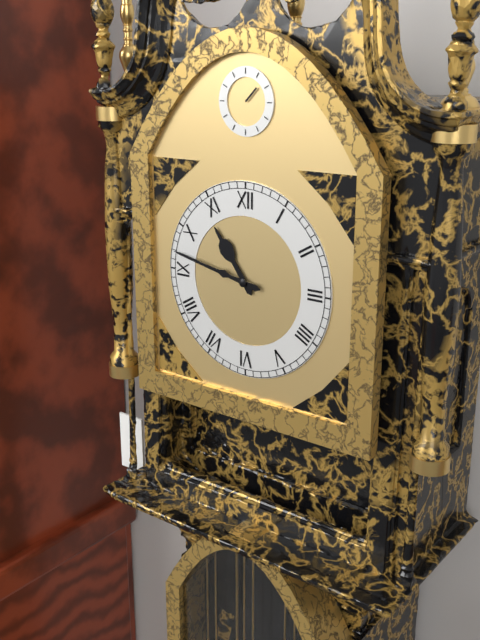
10.47
